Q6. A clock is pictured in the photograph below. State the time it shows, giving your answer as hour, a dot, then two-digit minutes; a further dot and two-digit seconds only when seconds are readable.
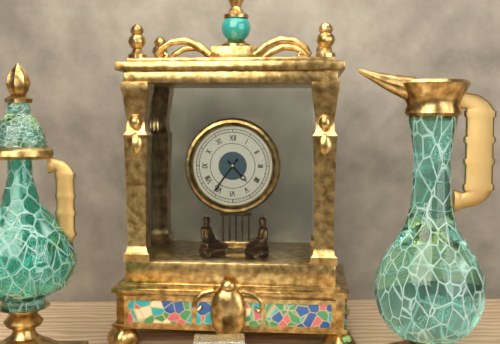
4.36
